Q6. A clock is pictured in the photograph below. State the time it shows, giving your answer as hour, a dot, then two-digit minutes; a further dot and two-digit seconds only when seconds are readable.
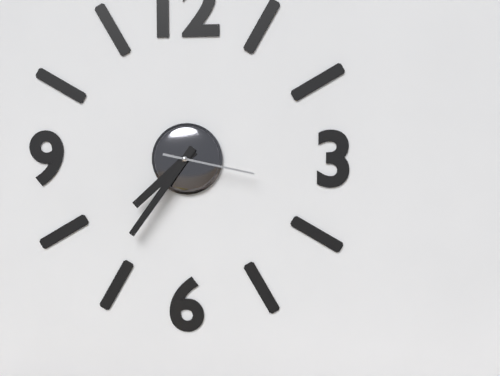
7.36.17
